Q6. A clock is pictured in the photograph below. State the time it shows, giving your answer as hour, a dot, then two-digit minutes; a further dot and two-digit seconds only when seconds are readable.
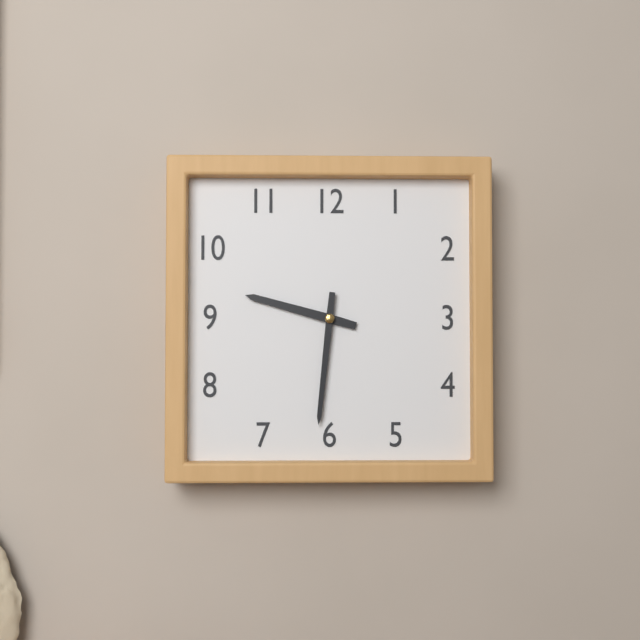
9.31
